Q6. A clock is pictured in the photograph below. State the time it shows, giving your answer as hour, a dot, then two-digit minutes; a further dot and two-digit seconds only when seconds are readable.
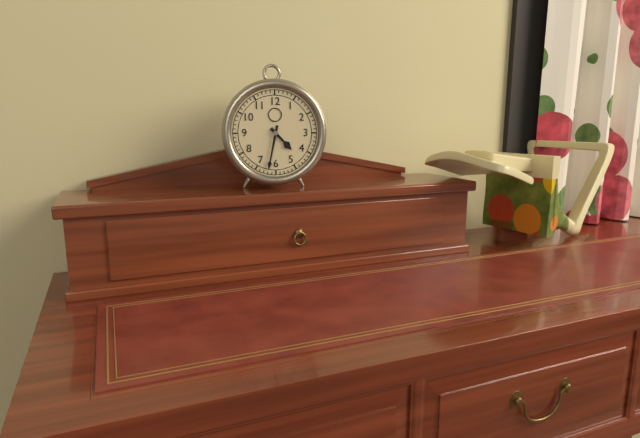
4.32
